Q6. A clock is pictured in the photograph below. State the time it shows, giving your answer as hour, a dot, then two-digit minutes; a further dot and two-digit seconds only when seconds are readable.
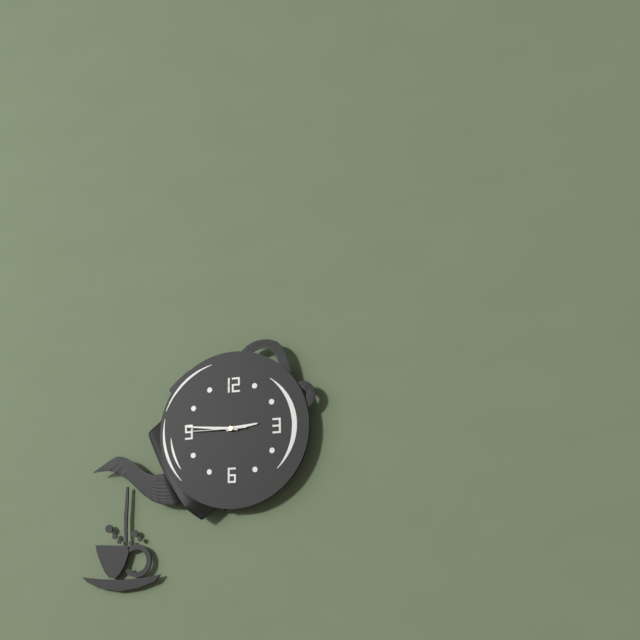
2.46.45
